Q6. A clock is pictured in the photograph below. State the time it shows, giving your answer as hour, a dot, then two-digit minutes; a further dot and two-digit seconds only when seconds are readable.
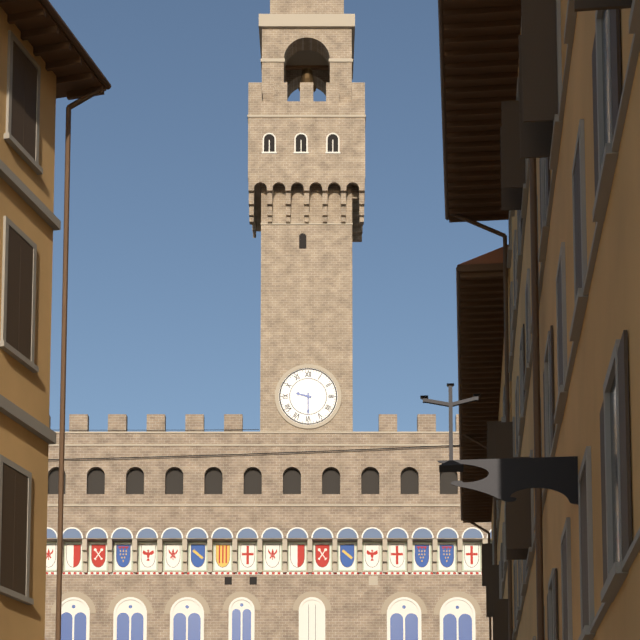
9.30
